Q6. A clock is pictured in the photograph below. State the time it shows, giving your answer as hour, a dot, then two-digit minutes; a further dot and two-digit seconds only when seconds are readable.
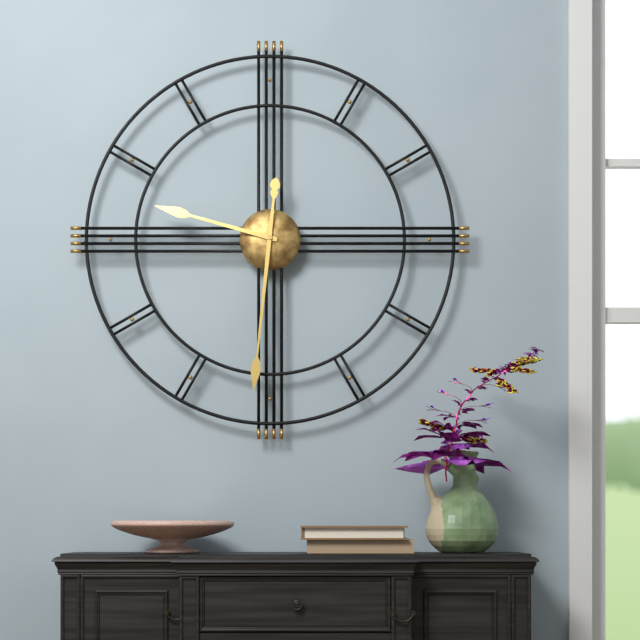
9.31
